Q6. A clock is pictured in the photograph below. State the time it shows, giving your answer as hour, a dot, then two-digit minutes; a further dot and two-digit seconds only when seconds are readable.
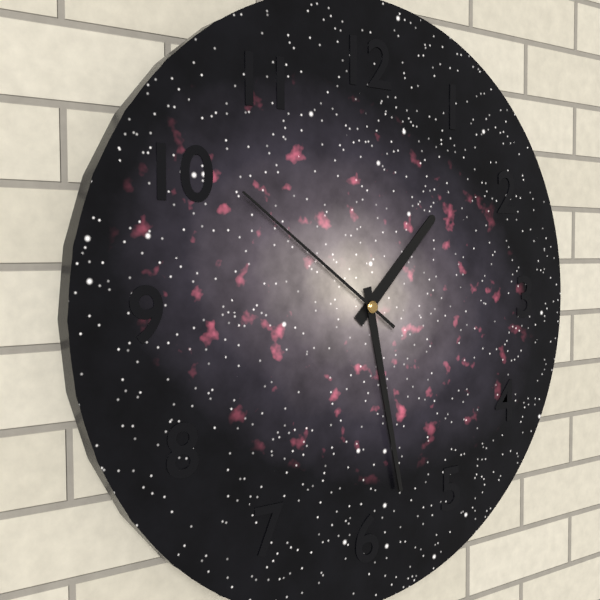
1.28.51
